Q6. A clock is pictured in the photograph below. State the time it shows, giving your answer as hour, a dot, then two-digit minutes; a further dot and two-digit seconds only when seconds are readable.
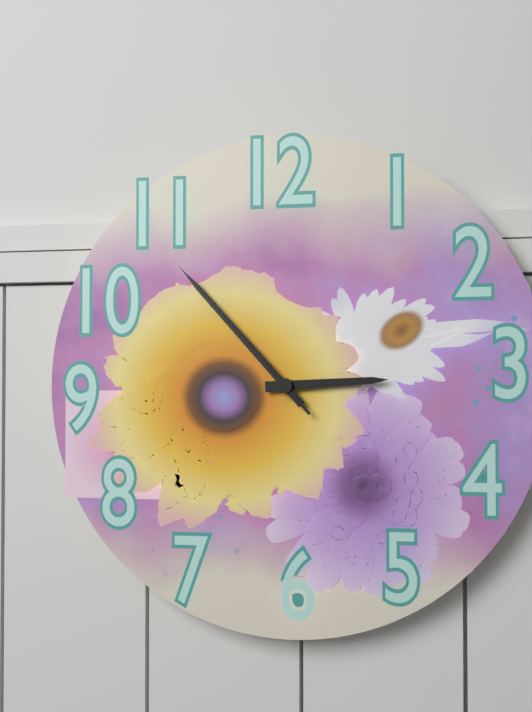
2.53.53
